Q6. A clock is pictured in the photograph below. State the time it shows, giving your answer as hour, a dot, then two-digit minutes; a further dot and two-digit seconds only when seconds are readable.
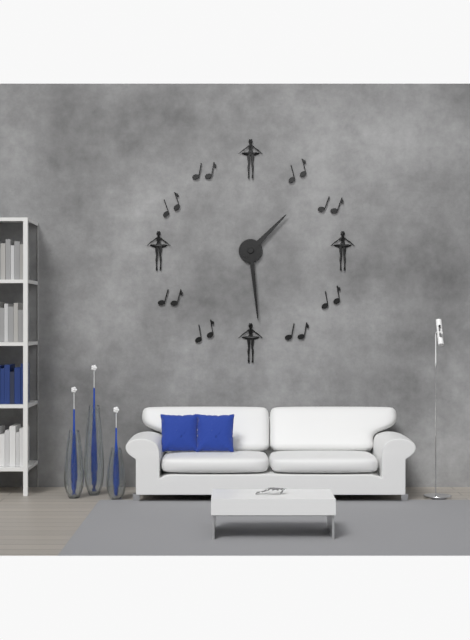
1.29
